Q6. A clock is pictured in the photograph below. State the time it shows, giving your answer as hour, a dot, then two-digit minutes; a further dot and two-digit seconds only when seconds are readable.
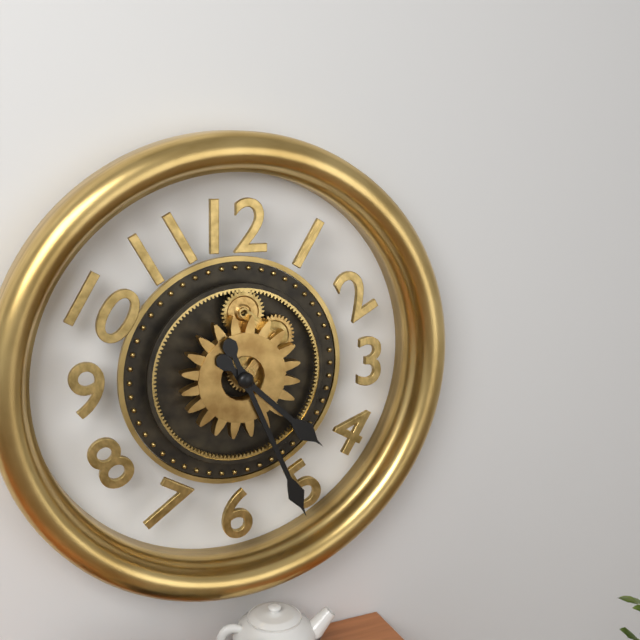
4.26
